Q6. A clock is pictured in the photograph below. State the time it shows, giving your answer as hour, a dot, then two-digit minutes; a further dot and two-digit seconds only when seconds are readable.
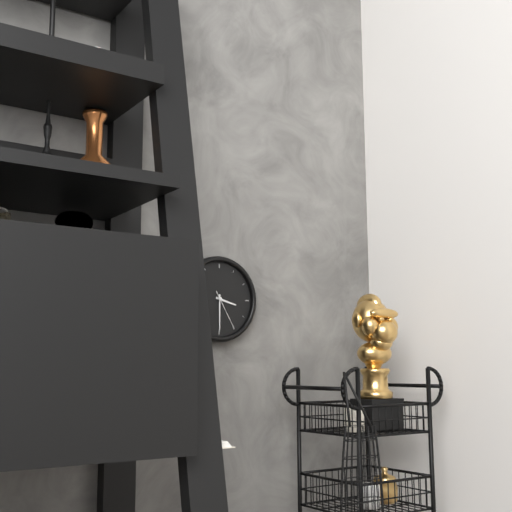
3.30
